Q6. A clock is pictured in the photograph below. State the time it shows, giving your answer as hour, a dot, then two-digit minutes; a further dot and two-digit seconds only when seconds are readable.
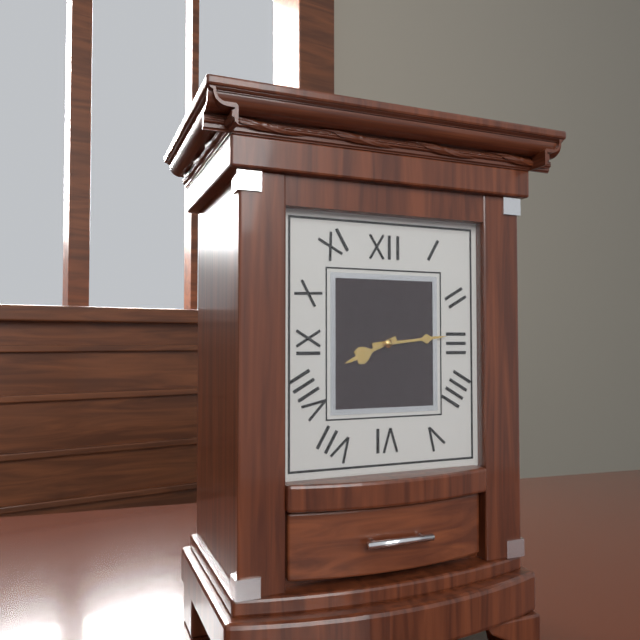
8.14
